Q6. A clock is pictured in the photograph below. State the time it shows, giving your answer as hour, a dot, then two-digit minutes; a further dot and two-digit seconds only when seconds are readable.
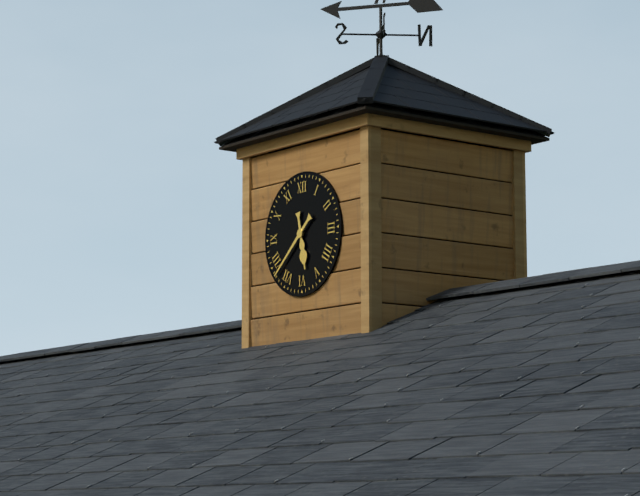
5.38
